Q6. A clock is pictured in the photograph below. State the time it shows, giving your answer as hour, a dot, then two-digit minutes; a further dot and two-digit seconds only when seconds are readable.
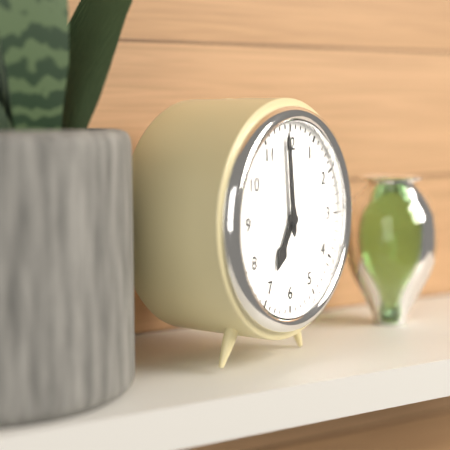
6.59
